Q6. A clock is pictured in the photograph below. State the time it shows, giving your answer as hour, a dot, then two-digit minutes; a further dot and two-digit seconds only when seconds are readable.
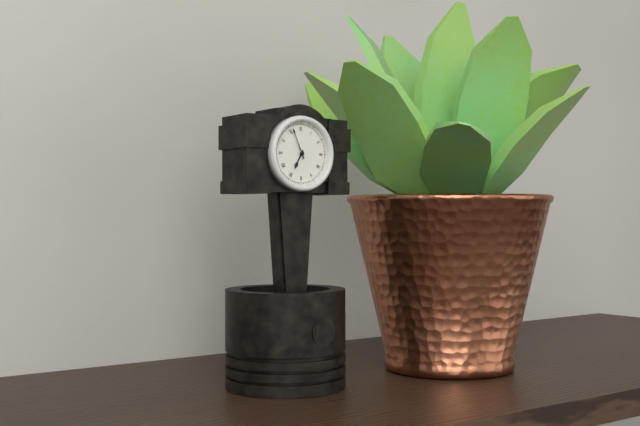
6.56
